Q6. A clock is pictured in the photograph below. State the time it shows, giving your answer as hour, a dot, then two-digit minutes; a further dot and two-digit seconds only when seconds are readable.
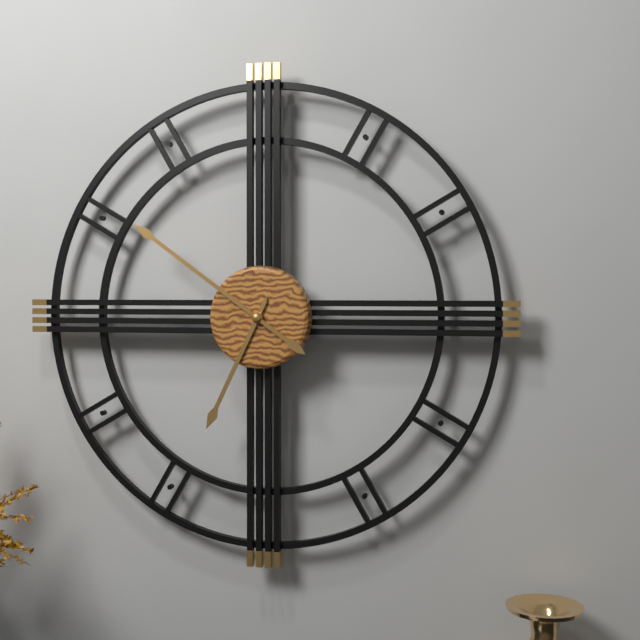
6.51
